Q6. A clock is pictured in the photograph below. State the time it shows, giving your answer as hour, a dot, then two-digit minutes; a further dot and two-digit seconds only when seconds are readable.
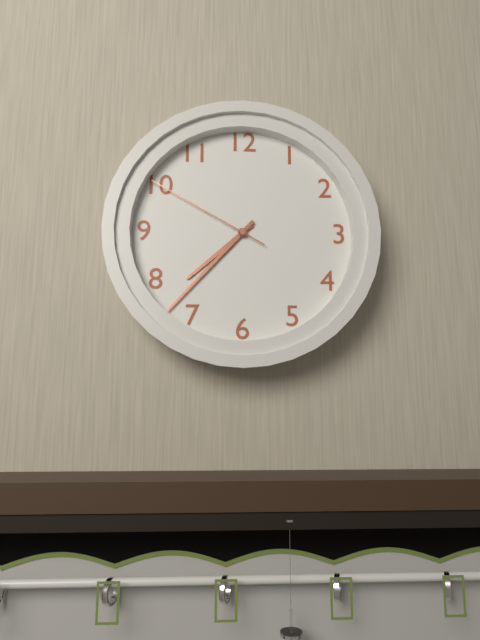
7.37.50
